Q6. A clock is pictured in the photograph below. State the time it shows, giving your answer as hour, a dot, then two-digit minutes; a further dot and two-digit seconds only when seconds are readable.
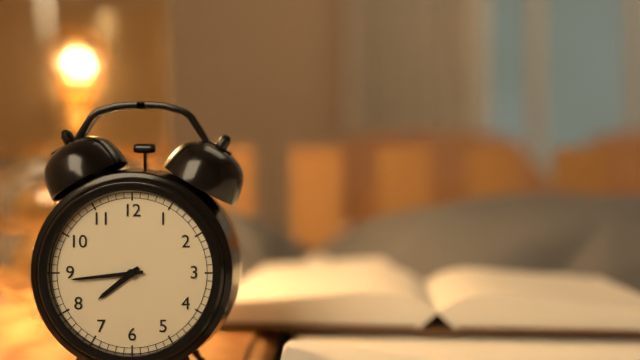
7.44
